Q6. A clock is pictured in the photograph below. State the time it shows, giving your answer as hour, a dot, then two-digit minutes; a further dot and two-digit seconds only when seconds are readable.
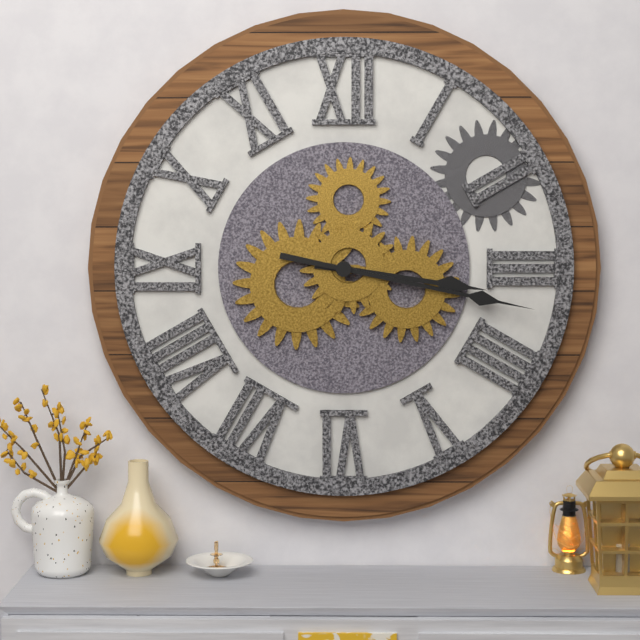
3.17
